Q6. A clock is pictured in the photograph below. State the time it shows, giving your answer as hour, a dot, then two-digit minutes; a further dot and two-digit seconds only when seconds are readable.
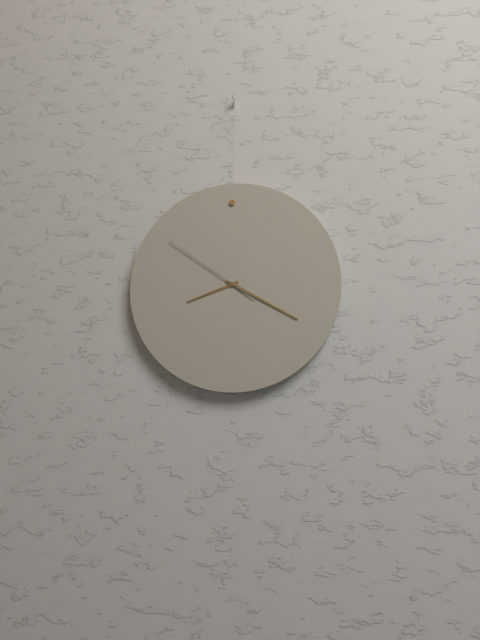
8.20.51
